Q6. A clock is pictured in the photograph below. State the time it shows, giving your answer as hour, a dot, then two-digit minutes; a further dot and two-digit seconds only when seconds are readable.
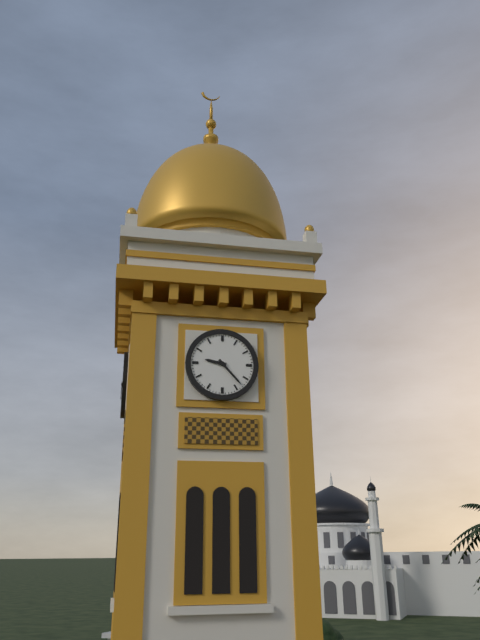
9.23
